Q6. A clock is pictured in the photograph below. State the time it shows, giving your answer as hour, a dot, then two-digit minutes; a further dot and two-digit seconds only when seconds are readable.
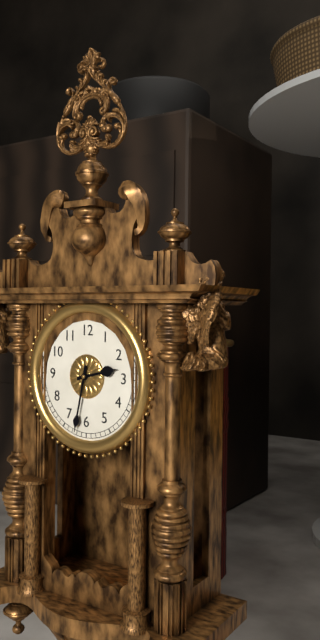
2.32
